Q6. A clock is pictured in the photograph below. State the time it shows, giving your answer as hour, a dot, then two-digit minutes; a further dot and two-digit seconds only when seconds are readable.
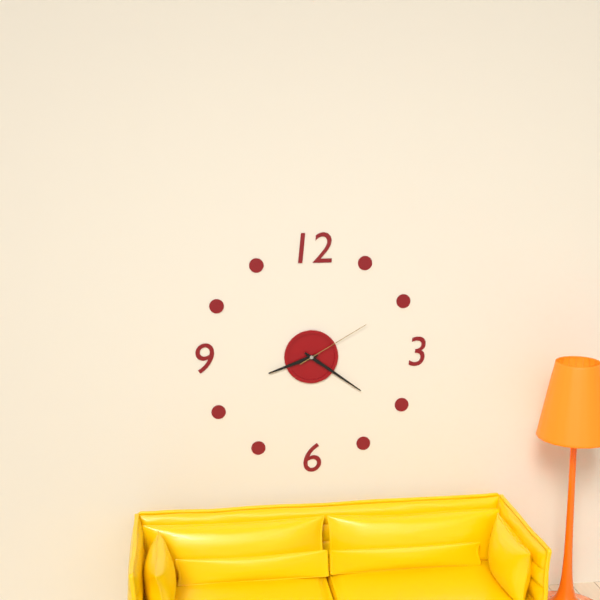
8.21.10
